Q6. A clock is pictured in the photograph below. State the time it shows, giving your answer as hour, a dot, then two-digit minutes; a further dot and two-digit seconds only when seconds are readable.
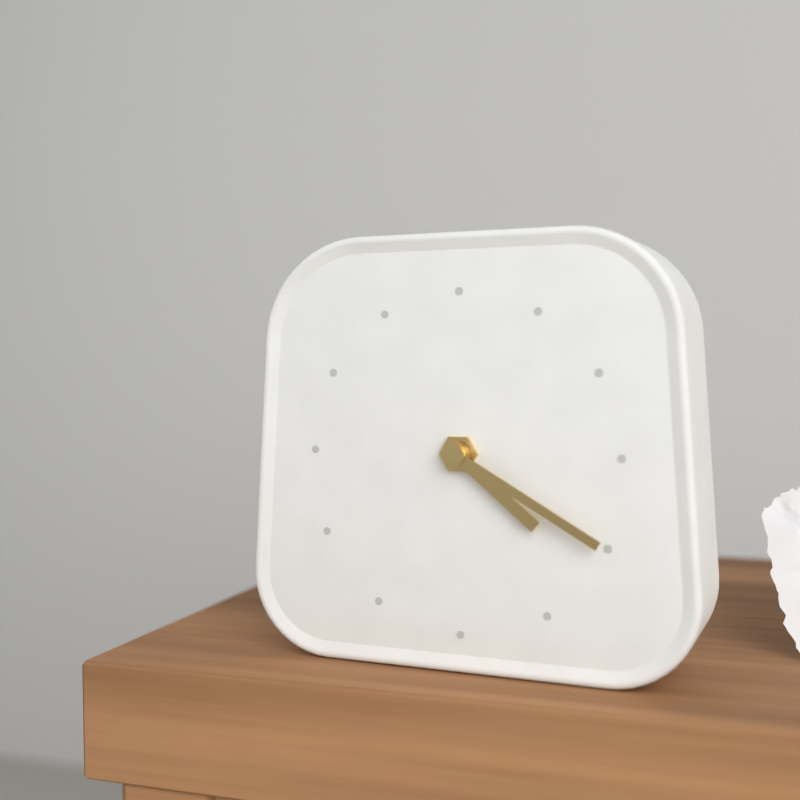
4.20
